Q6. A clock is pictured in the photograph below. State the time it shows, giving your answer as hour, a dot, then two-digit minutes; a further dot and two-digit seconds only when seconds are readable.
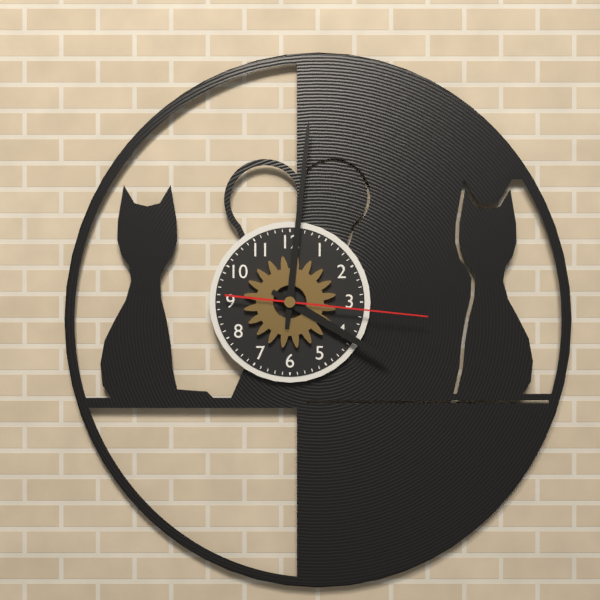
4.01.16
